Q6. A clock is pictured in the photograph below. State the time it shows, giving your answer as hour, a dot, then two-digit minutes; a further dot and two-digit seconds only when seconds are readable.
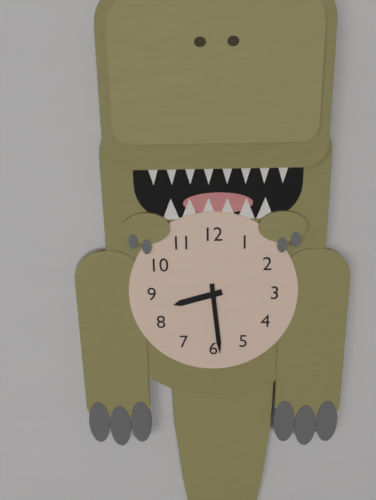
8.29
